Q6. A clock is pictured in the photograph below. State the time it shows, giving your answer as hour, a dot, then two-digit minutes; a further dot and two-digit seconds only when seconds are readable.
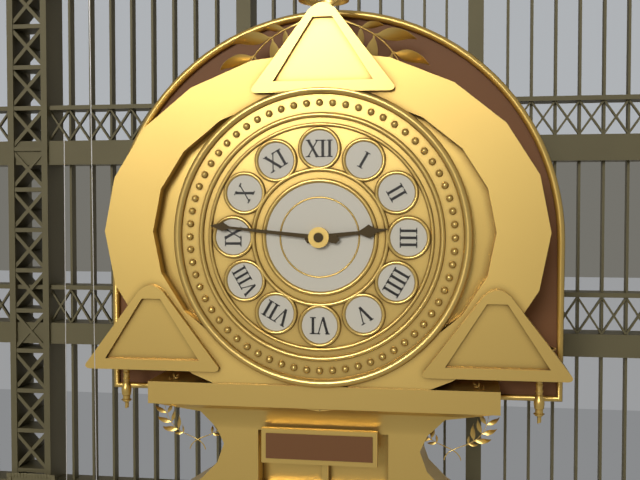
2.46
